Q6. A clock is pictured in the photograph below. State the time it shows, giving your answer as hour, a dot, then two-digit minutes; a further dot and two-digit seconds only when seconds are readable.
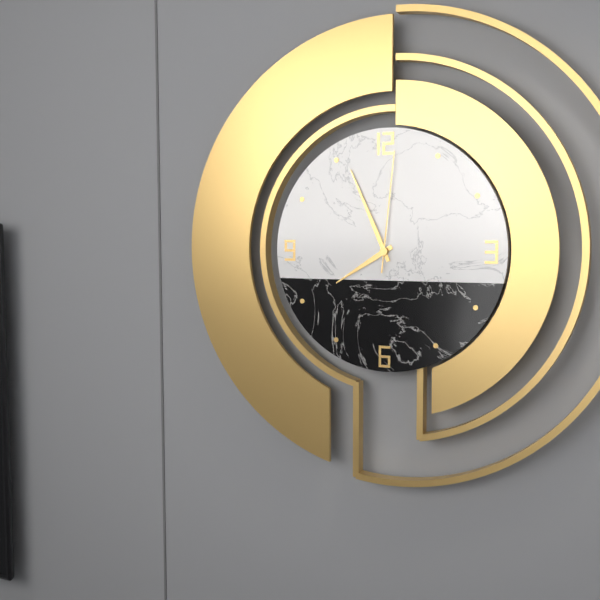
7.56.01
